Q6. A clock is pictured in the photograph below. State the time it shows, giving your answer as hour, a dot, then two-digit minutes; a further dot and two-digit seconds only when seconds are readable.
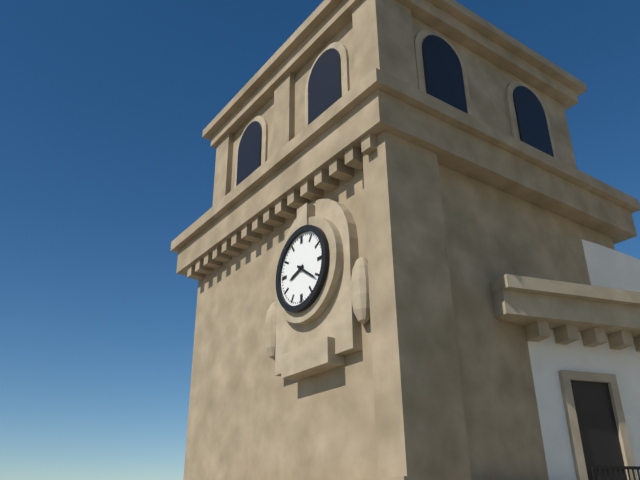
8.21
